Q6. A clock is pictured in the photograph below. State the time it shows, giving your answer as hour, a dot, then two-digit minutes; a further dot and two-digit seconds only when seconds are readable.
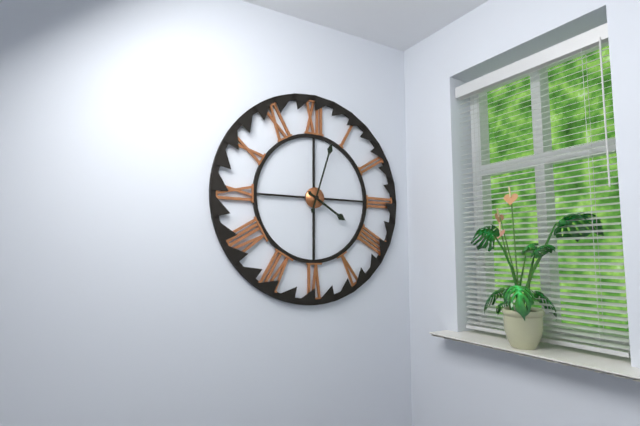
4.03
